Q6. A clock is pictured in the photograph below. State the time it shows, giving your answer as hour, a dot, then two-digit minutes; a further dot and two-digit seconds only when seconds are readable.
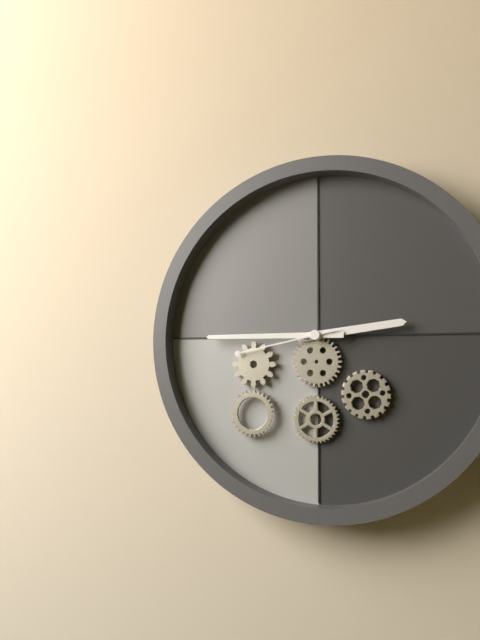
2.45.43
